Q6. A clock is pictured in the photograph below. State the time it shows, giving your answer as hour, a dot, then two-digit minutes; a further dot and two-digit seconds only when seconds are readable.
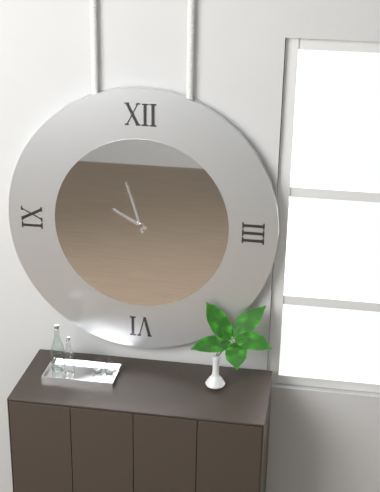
9.57
